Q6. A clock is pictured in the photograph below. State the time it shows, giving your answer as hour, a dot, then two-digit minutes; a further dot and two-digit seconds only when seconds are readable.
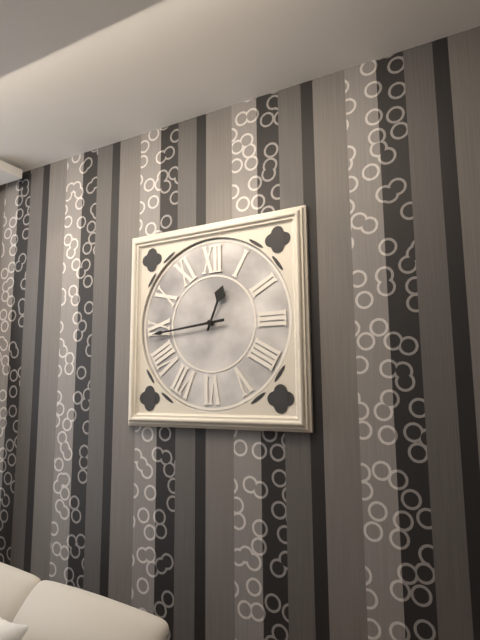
12.44
